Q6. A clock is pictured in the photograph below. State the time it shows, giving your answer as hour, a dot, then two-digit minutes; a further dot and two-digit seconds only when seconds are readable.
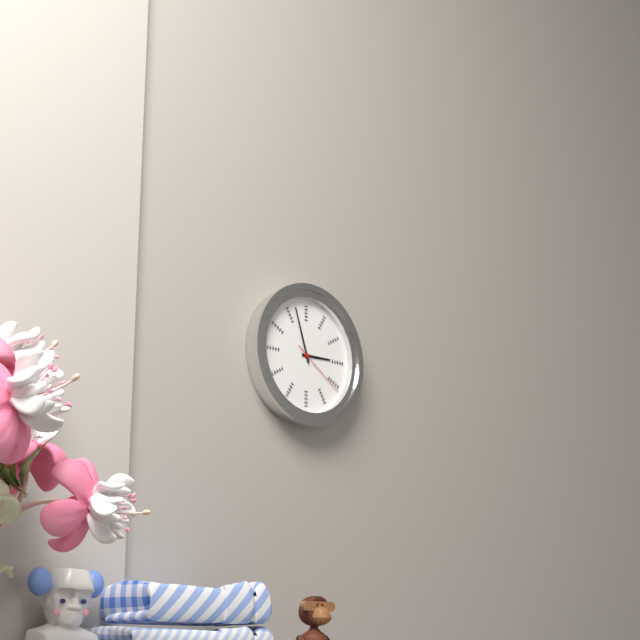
2.57.21
